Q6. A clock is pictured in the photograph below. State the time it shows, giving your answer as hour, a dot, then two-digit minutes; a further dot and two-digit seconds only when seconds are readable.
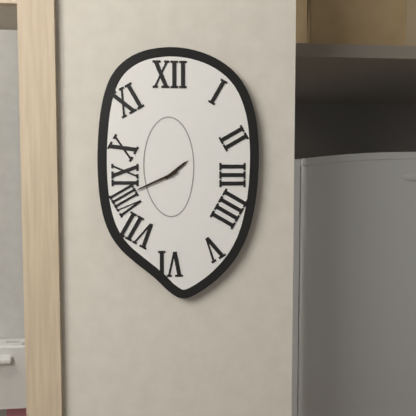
1.41
